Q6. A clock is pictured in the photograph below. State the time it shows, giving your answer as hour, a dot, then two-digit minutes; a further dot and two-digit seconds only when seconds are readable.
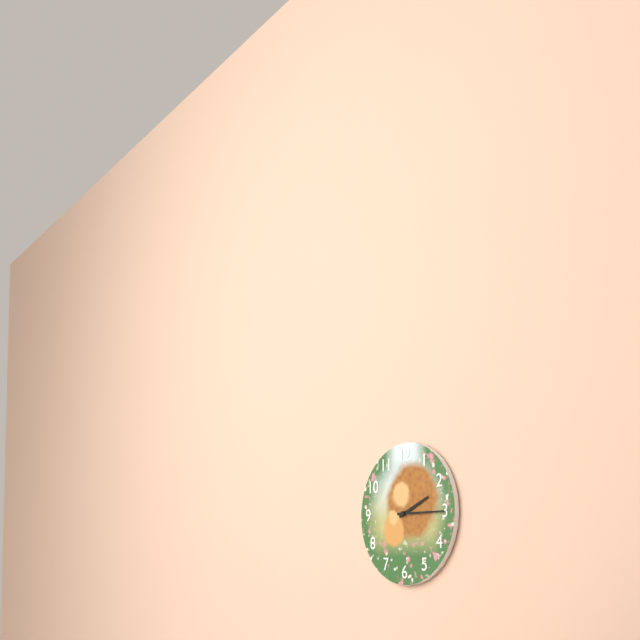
2.15
